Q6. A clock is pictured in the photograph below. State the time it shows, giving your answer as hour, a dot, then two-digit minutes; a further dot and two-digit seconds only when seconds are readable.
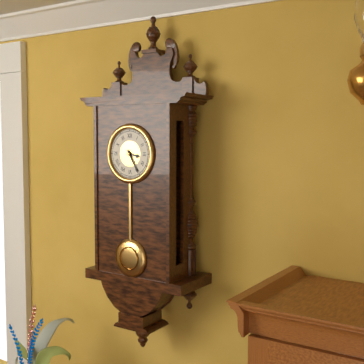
3.25
